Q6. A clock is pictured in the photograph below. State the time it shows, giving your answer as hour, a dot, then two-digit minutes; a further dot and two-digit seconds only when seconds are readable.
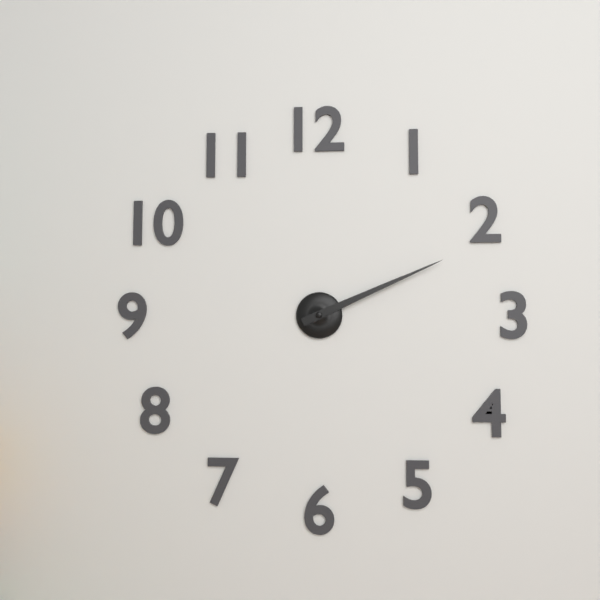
2.11
